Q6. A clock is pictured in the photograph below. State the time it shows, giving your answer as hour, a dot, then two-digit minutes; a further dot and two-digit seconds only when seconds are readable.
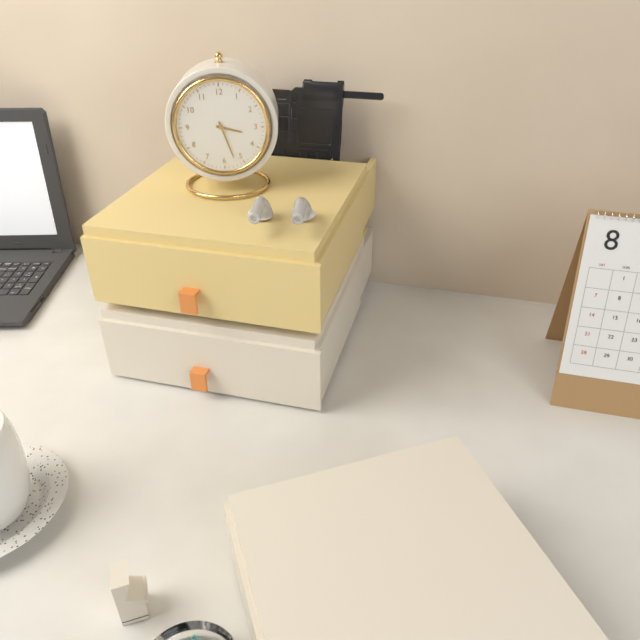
3.27
